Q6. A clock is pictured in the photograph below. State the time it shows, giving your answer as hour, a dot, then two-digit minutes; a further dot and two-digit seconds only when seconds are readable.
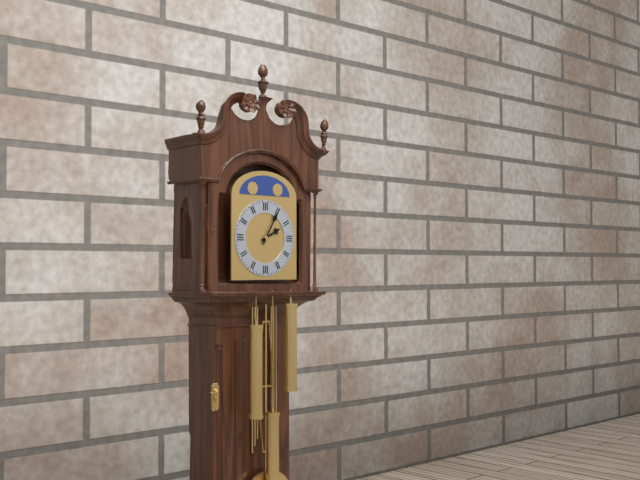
2.05
